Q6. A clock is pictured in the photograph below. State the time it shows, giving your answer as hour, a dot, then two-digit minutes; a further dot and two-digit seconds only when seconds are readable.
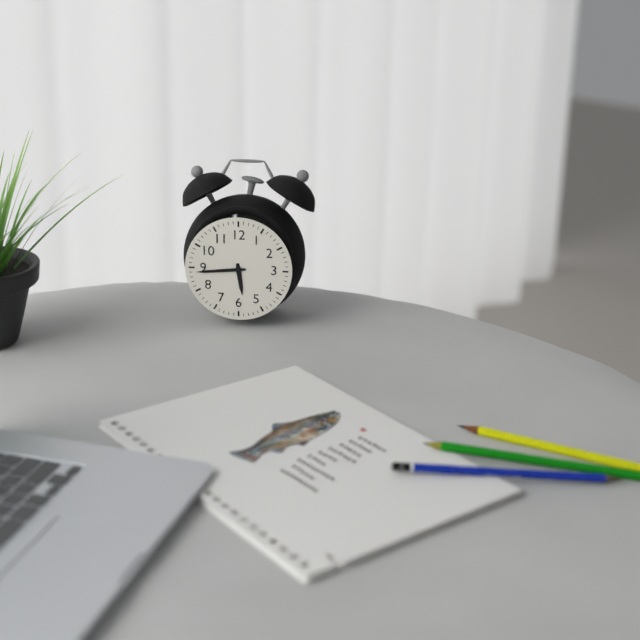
5.44
